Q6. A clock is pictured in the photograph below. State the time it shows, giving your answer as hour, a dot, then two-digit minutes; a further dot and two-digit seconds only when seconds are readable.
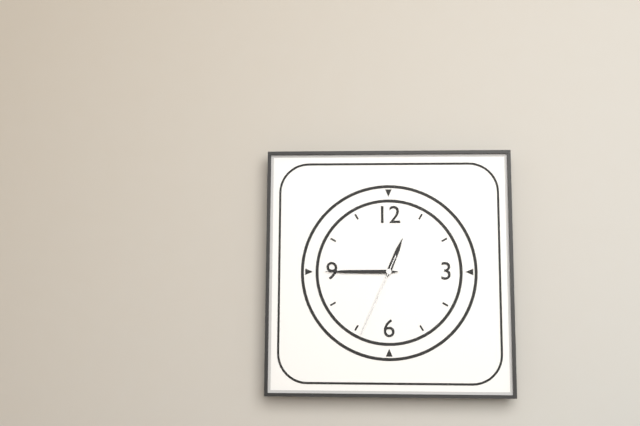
12.45.34
